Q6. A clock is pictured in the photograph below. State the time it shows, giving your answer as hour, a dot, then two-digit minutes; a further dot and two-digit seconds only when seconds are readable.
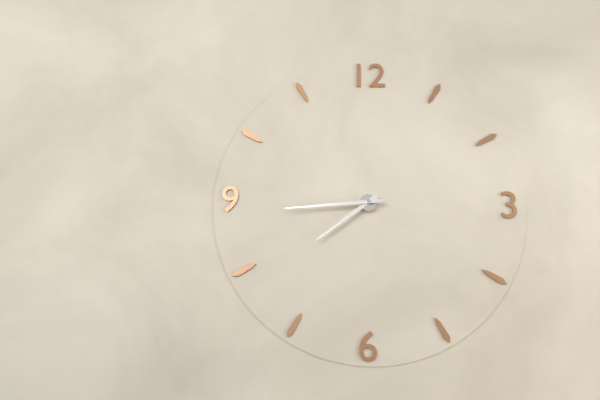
7.44
